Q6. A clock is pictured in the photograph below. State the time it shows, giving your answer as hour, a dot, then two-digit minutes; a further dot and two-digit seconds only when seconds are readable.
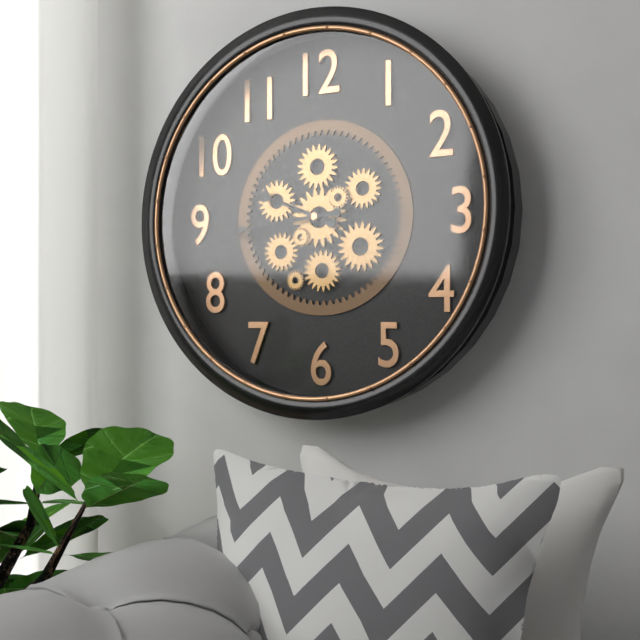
9.44
